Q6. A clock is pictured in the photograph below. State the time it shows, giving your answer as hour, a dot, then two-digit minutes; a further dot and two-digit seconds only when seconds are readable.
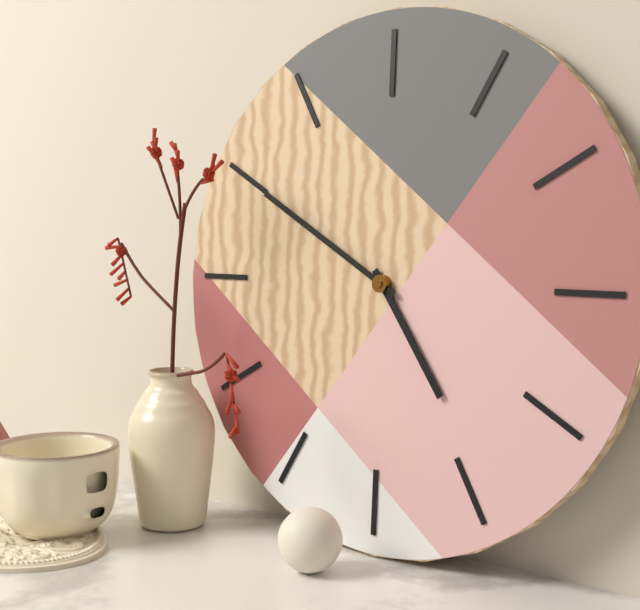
4.50
